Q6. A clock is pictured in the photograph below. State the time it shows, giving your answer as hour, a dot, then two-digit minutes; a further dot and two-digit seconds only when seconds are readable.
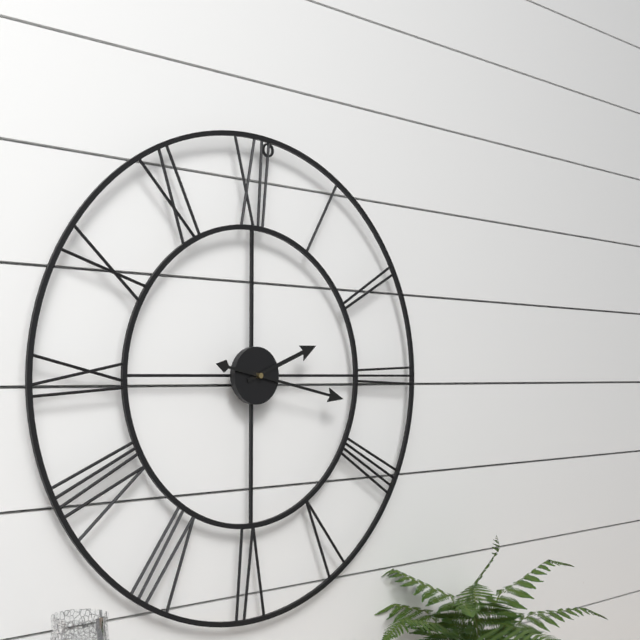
2.17
